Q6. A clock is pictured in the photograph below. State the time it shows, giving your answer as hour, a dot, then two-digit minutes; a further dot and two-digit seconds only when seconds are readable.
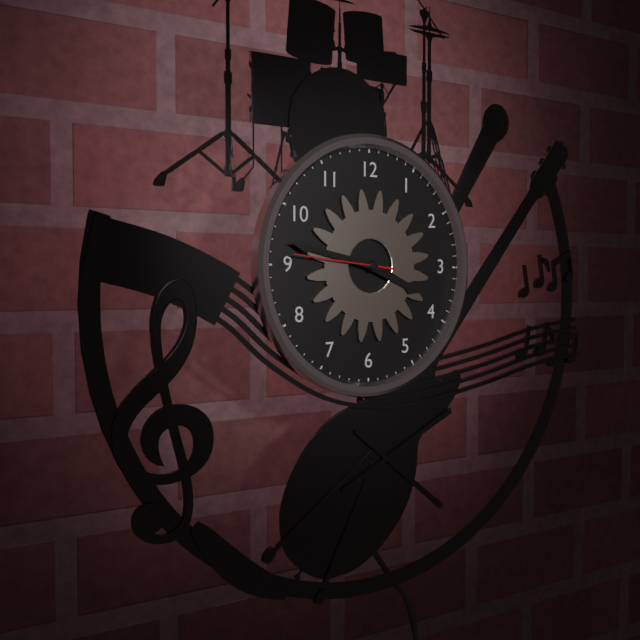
3.47.46
